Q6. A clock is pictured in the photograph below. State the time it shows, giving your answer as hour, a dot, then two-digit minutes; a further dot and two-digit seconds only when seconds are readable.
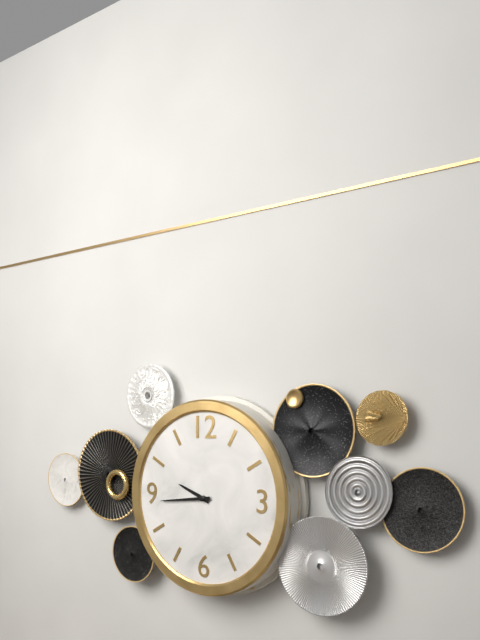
9.44
